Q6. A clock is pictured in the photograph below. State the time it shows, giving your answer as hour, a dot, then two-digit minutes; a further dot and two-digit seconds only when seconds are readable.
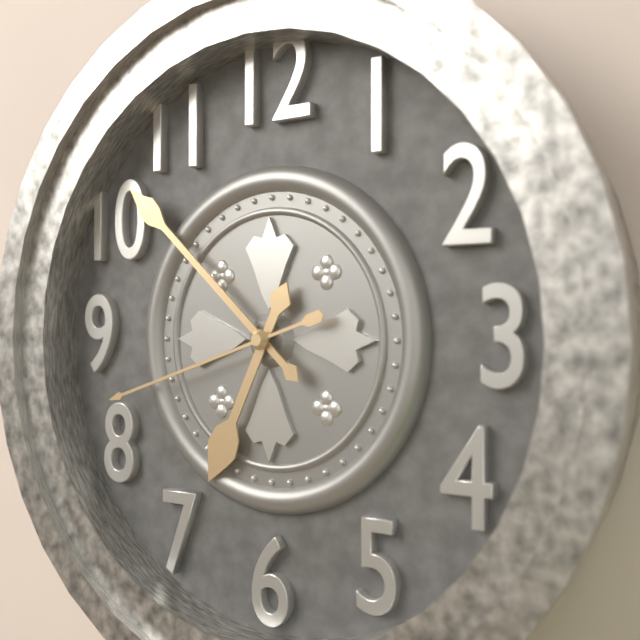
6.52.42
